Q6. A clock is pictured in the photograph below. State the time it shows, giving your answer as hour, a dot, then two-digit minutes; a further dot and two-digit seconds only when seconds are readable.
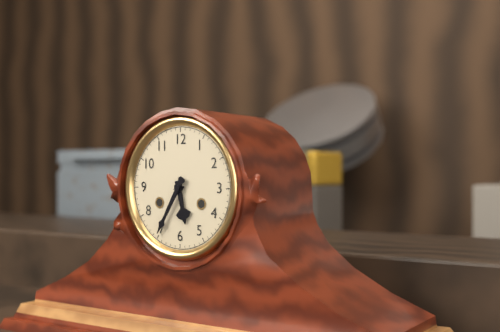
5.35
